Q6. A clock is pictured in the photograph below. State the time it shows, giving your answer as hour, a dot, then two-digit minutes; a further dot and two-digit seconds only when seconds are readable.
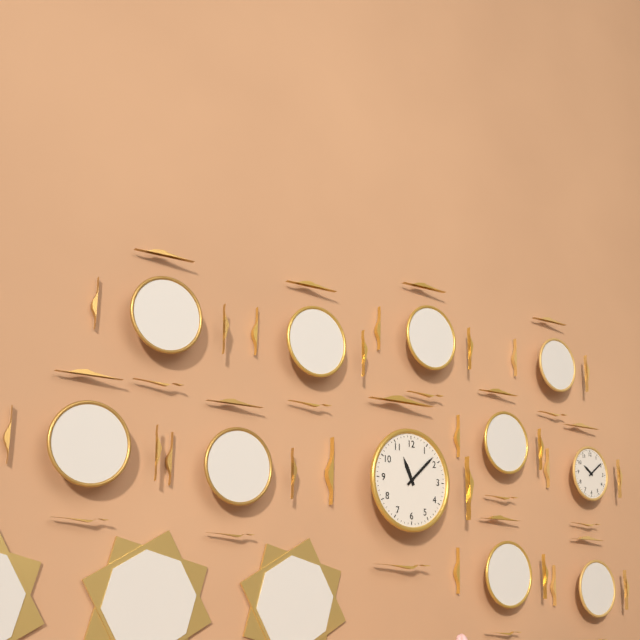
11.08
